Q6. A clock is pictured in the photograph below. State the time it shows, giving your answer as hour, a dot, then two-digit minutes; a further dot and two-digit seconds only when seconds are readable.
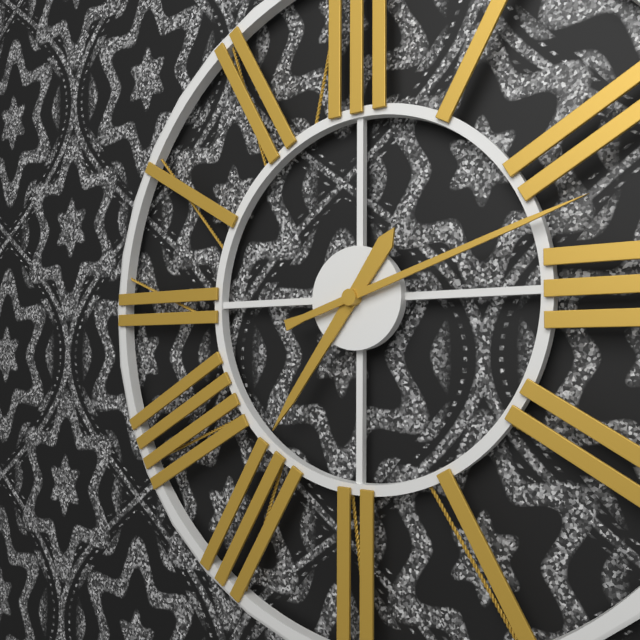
7.12
